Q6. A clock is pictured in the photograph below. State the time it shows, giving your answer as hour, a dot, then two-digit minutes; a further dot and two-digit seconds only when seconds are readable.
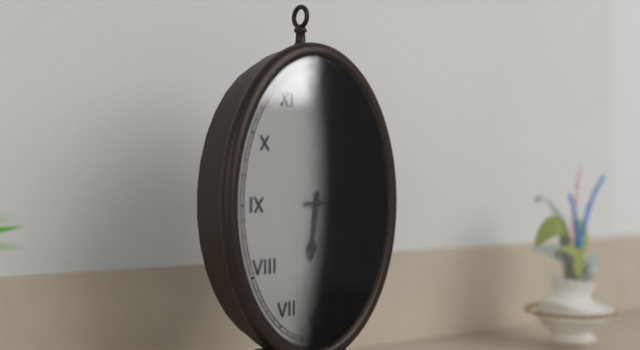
6.15
